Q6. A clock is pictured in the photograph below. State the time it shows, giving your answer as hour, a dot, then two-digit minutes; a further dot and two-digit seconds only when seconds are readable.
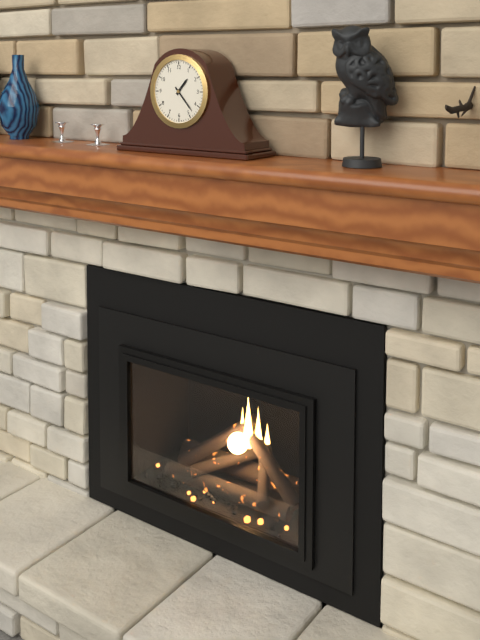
1.23
